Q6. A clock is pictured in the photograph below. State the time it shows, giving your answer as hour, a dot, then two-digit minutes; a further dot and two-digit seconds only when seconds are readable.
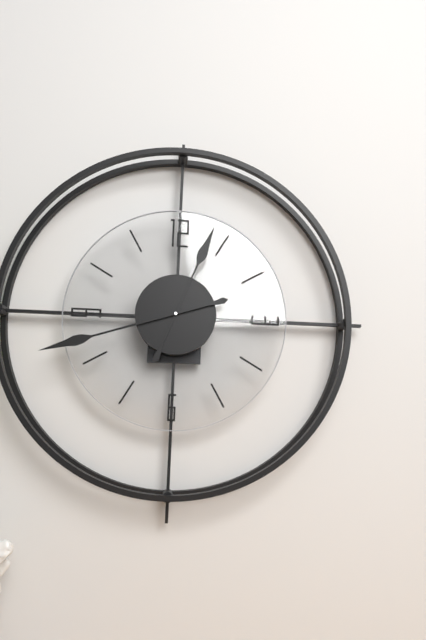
12.42
